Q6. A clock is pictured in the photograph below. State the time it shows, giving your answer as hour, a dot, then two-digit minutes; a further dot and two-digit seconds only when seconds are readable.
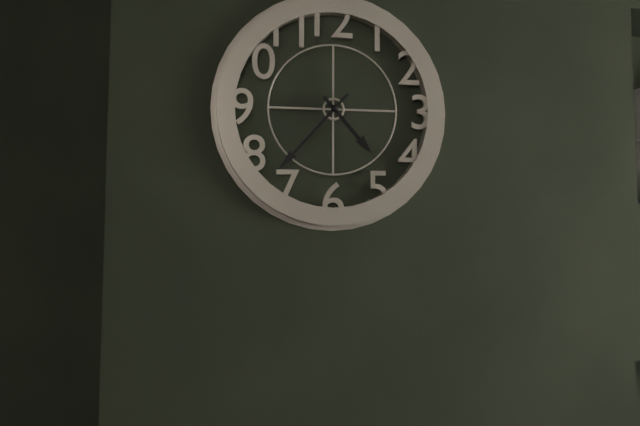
4.37
